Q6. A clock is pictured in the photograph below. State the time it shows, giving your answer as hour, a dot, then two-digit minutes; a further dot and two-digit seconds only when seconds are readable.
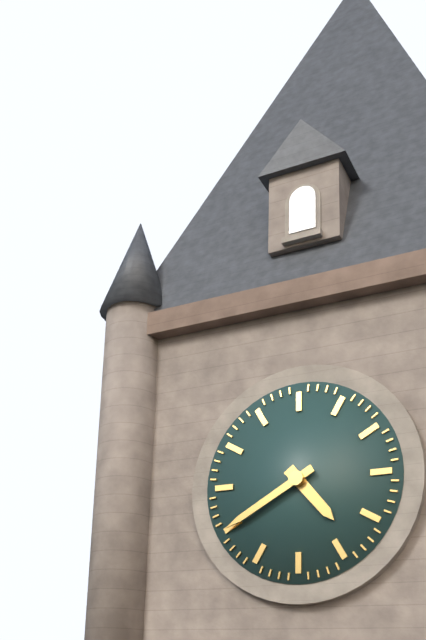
4.40
